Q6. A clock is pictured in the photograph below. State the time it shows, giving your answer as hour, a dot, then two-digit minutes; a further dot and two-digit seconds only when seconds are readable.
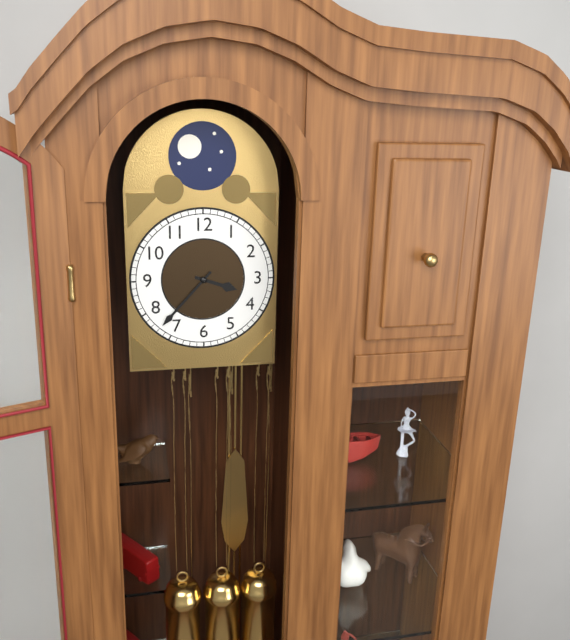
3.37
